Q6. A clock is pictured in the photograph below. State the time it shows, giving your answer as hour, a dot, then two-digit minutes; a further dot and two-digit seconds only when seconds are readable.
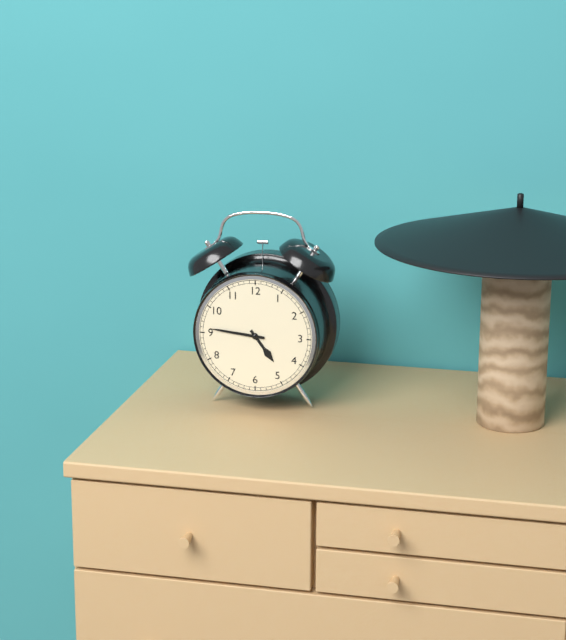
4.46
